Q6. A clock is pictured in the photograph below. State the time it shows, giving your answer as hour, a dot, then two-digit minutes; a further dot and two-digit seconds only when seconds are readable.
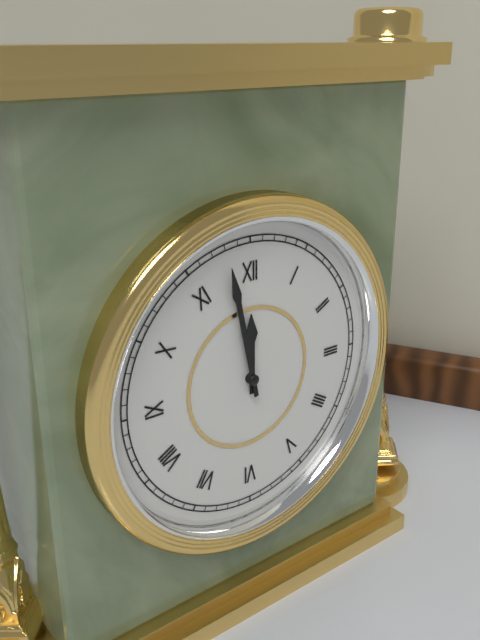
11.58
